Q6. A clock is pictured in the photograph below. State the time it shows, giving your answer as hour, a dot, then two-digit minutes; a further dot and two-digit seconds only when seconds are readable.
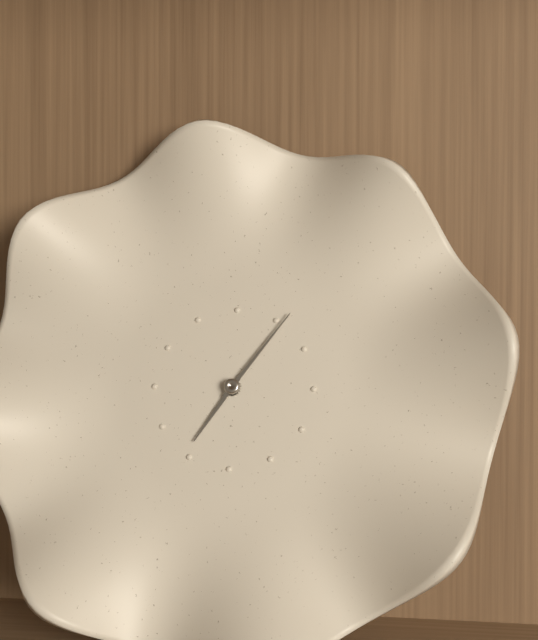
7.06
